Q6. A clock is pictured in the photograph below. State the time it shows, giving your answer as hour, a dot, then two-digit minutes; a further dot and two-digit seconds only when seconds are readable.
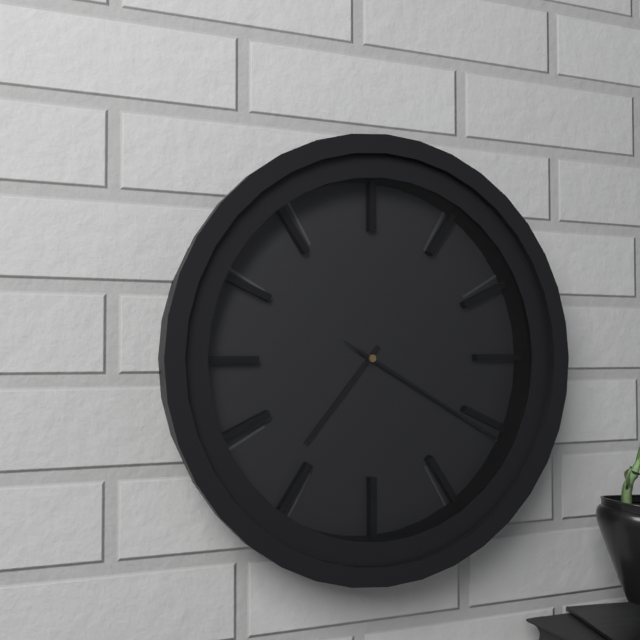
7.20.20
